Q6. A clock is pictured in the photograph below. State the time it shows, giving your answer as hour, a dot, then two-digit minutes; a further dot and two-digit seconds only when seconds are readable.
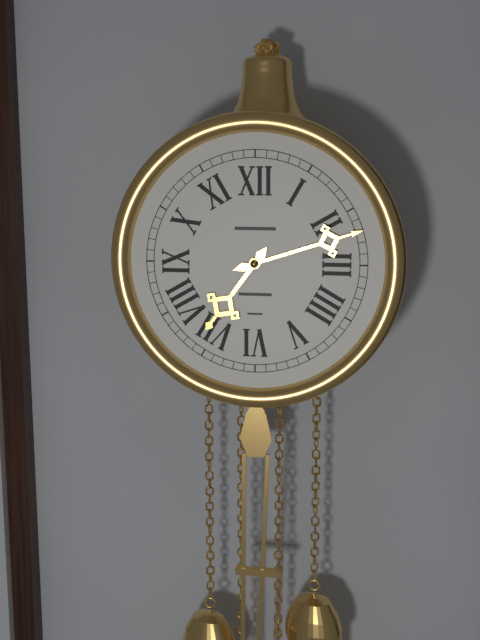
7.12
